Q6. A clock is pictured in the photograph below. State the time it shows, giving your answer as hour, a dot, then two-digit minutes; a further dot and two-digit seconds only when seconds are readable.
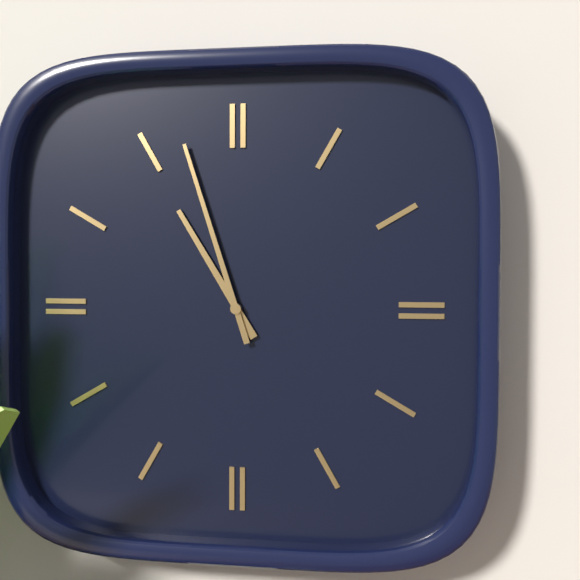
10.57
